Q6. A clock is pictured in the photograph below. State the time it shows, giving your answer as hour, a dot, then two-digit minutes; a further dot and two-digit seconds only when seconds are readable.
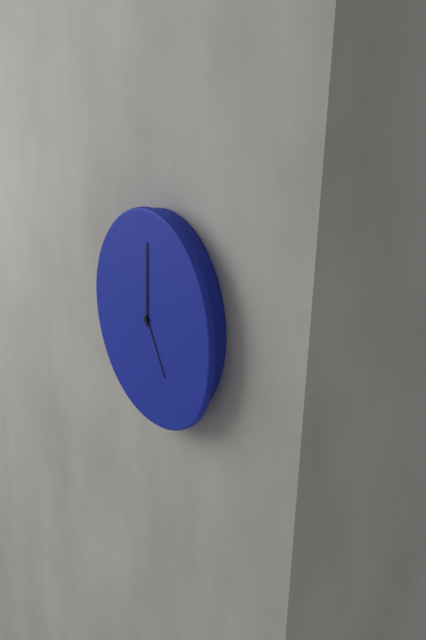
5.00
